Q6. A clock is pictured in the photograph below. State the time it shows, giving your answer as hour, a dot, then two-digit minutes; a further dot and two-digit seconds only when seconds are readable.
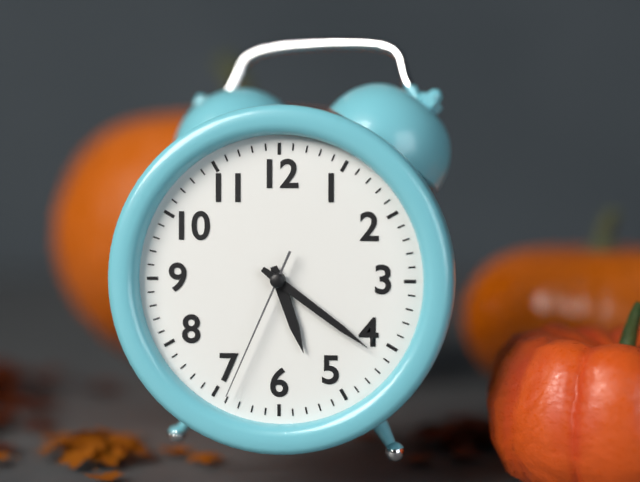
5.21.34
